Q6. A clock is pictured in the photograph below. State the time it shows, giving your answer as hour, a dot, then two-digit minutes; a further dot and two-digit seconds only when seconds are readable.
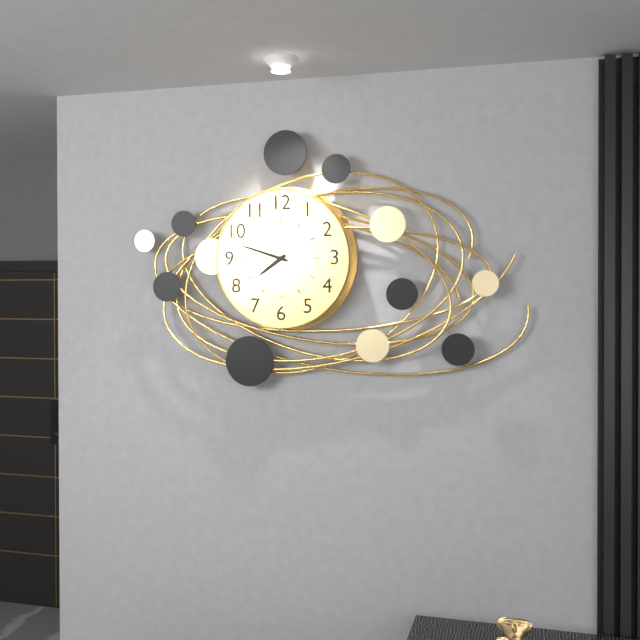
7.48
